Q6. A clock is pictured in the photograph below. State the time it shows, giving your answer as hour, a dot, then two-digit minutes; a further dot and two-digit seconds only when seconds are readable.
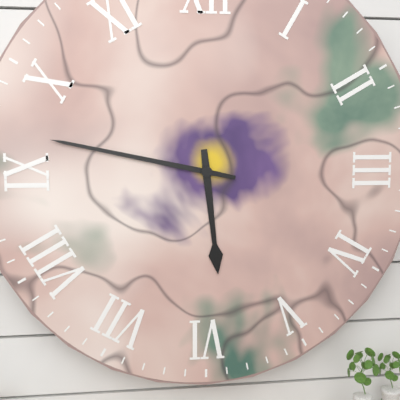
5.47
